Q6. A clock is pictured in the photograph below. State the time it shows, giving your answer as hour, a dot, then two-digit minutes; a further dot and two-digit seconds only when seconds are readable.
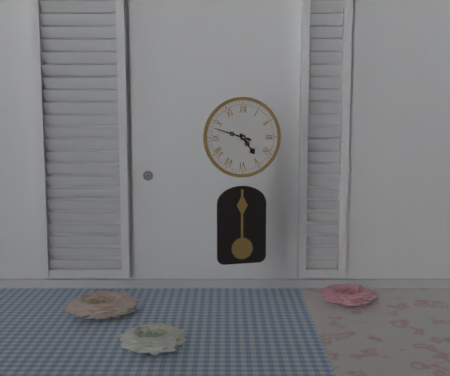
4.48
